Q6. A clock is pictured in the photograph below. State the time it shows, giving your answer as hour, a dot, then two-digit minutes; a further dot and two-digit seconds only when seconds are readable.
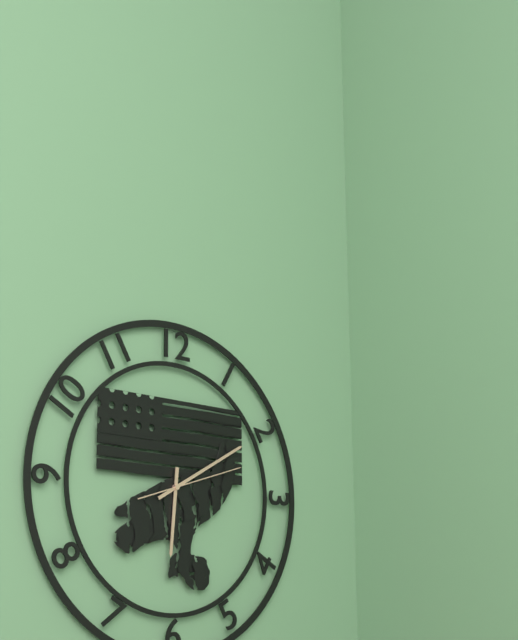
6.10.12
